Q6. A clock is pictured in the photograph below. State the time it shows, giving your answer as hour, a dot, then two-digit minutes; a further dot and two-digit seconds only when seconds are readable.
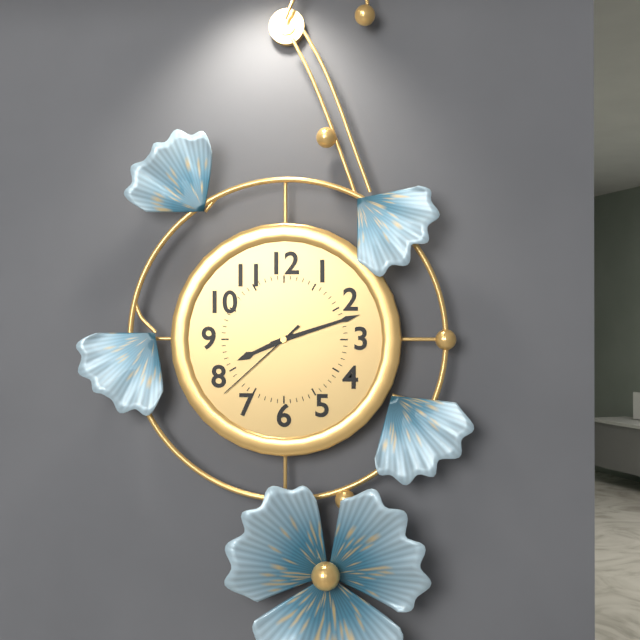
8.12.38
